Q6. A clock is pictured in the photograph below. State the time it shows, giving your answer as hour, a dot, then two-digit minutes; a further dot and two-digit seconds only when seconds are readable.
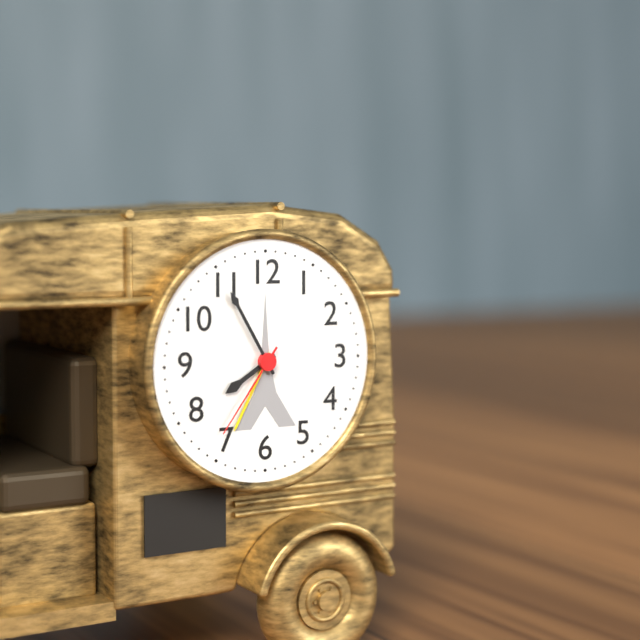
7.55.36
